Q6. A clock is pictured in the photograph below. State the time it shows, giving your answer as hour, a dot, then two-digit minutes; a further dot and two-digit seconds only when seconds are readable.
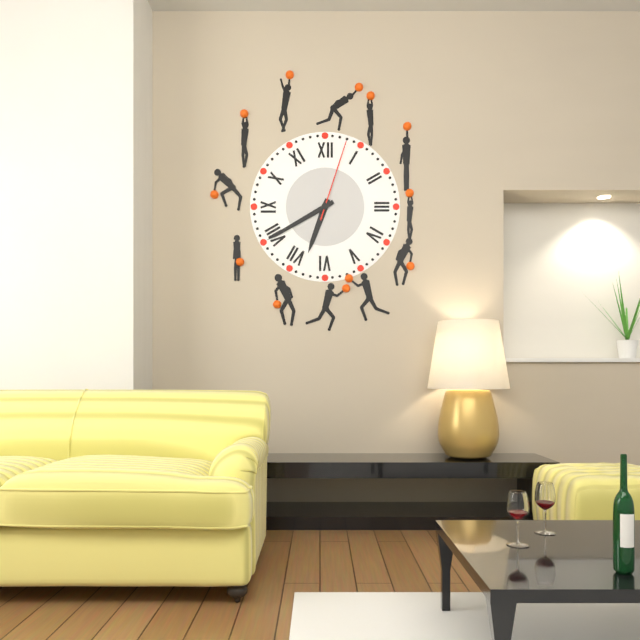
6.40.03
